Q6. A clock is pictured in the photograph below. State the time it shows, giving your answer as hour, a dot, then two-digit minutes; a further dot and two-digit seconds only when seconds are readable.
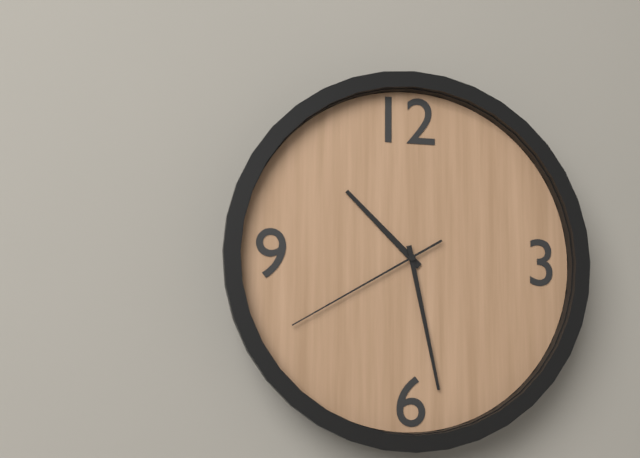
10.28.40
